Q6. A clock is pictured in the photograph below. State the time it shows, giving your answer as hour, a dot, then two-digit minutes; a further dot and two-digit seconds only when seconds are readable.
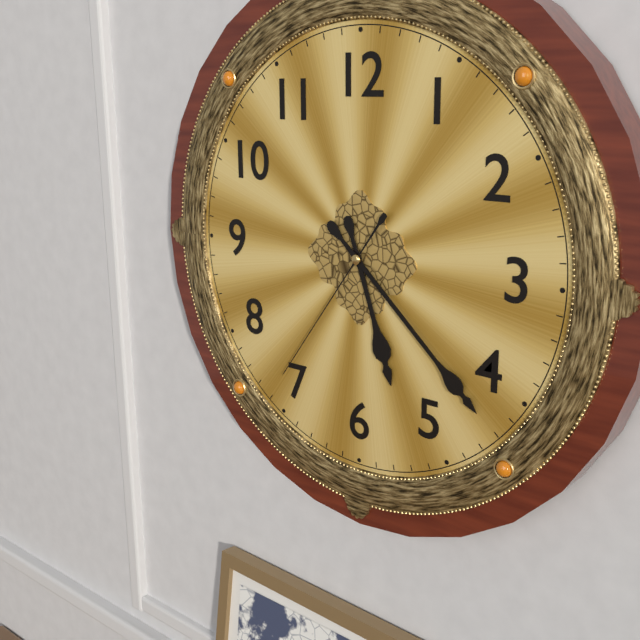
5.22.36
